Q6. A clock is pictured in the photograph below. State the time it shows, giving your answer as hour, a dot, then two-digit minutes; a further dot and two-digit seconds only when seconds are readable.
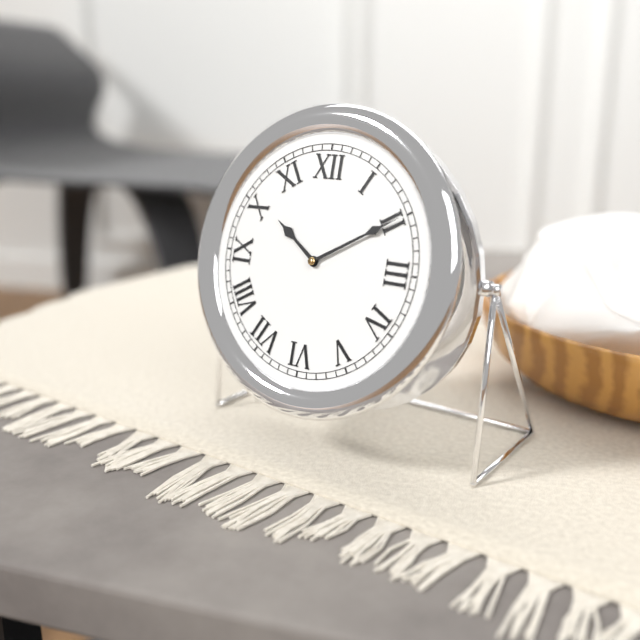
10.10
